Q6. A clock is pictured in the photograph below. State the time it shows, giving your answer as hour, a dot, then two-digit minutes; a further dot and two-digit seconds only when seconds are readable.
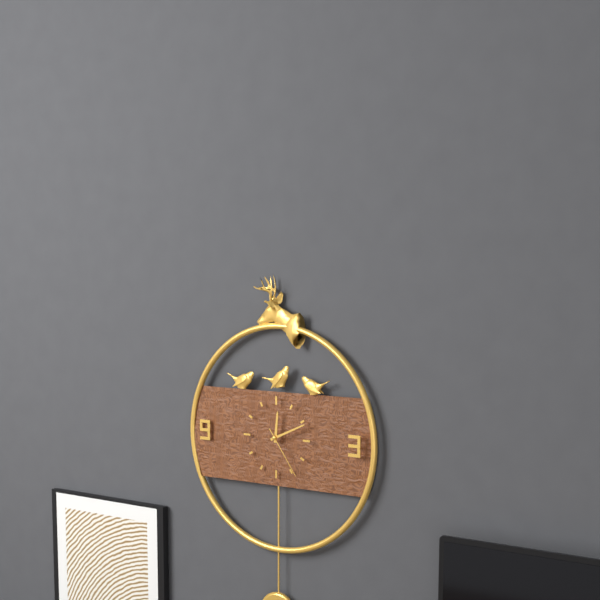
12.11.24
